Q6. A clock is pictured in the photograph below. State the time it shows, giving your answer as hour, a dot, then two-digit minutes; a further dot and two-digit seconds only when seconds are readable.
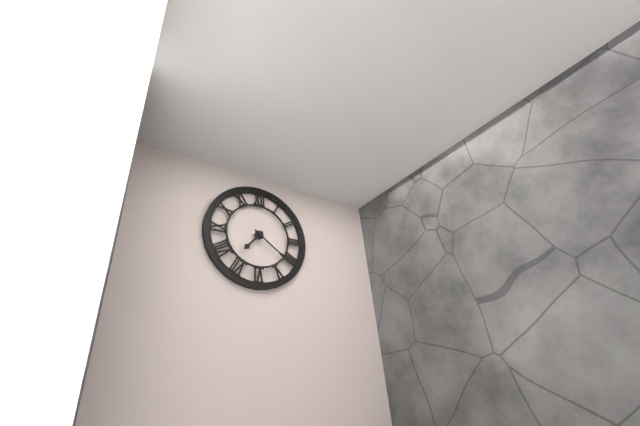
7.21
